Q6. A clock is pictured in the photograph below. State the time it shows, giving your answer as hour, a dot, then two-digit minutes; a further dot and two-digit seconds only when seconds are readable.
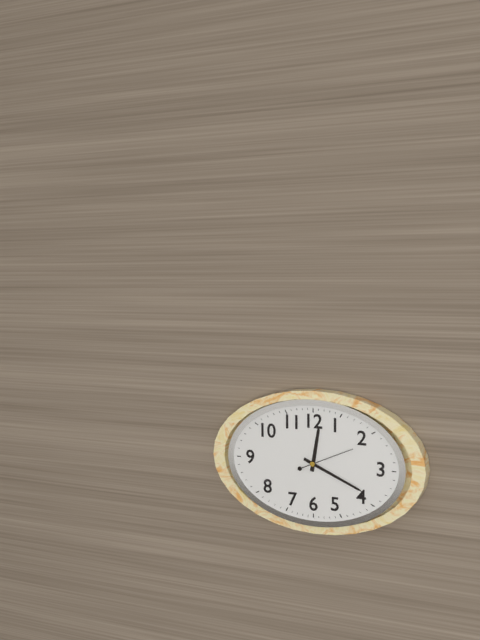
12.19.11
